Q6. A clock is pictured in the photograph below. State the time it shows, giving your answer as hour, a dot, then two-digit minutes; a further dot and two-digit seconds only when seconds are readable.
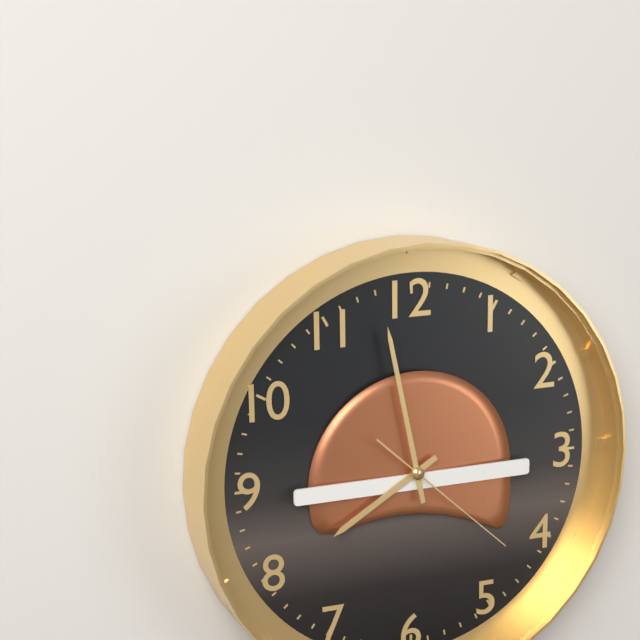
7.58.22
